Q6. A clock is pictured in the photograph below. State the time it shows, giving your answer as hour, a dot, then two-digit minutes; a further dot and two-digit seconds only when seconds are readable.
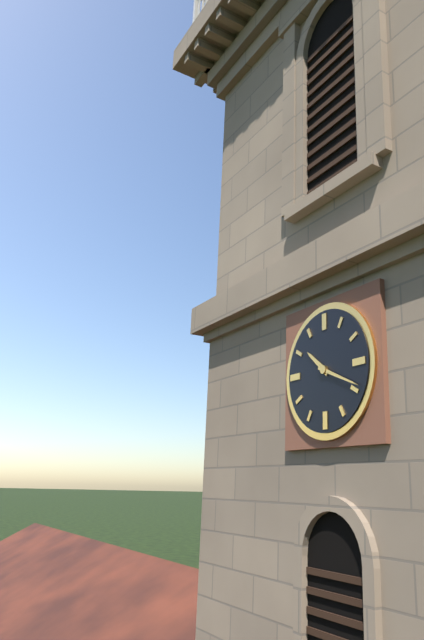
10.19
